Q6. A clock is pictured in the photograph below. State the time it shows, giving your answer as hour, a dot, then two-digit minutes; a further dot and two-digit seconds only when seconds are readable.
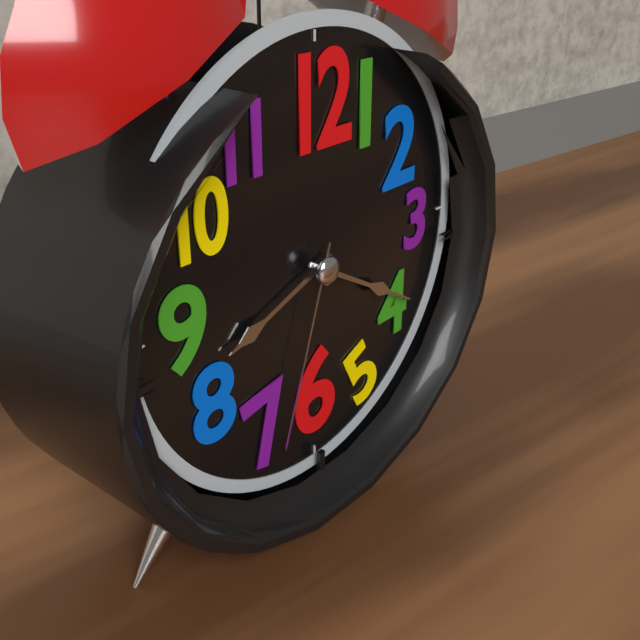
8.20.33
